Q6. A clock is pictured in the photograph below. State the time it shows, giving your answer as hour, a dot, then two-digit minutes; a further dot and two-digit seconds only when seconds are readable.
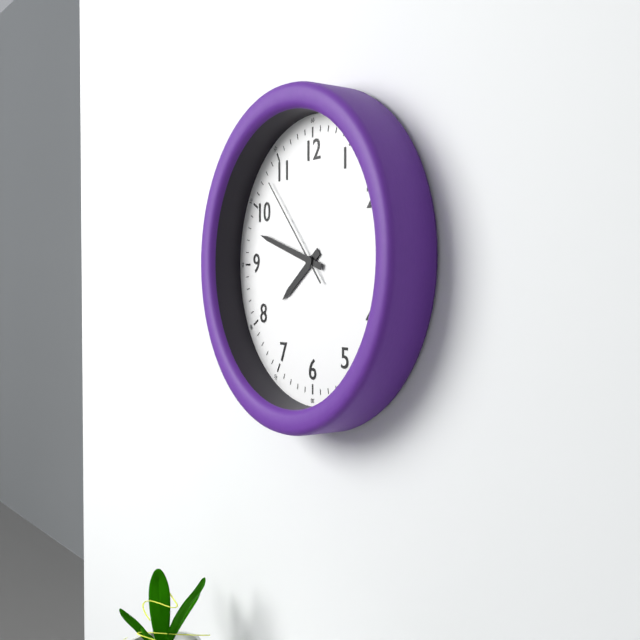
7.48.53
